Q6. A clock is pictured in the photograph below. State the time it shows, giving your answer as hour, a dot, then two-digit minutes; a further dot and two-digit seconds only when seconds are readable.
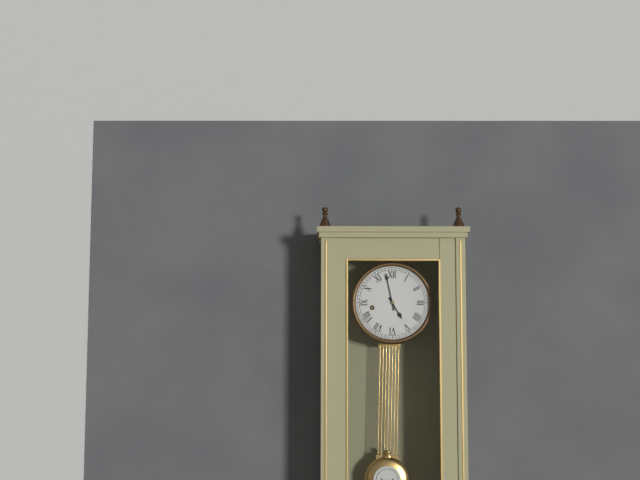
4.58
